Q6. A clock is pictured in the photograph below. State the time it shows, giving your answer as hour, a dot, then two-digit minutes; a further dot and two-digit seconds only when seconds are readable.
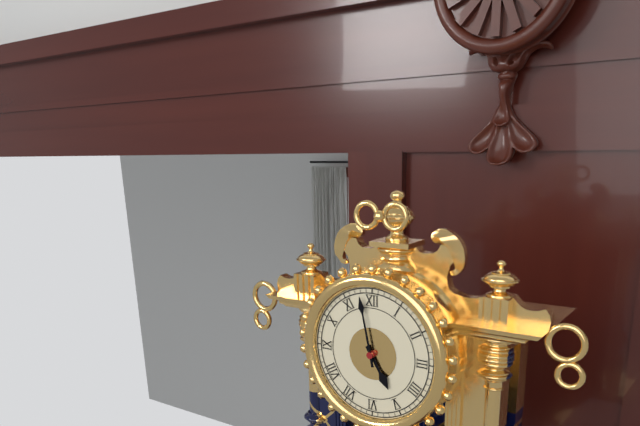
4.58
